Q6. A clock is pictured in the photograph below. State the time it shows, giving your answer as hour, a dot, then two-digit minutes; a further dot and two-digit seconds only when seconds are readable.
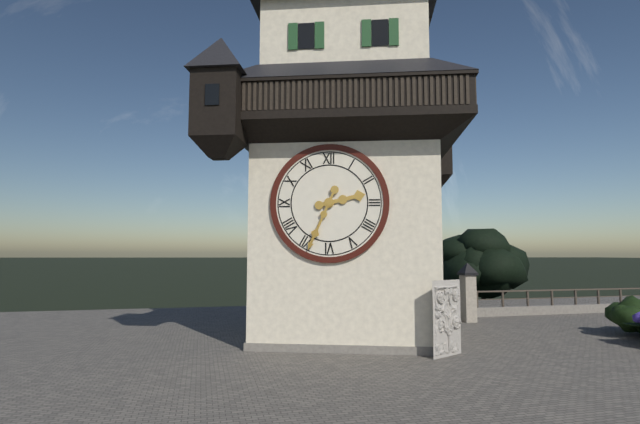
2.34
